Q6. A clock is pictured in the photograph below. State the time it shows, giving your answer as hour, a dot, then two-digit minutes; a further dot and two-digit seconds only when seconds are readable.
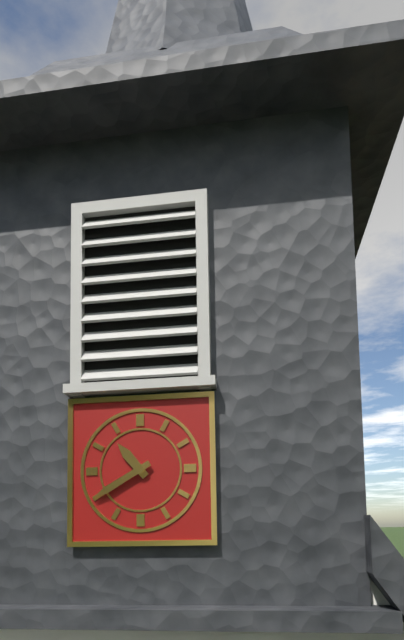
10.40
